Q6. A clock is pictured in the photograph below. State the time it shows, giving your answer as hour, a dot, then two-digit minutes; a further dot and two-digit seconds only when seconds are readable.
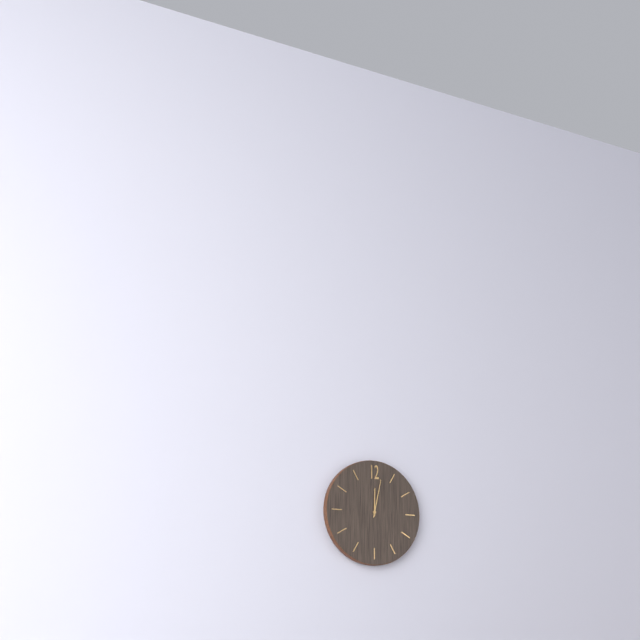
12.02
